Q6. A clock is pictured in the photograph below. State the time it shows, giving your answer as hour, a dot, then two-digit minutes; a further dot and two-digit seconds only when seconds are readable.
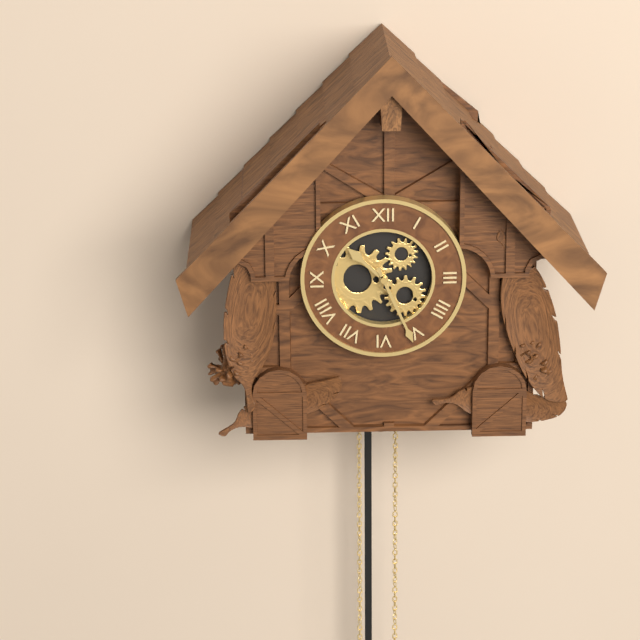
10.26
